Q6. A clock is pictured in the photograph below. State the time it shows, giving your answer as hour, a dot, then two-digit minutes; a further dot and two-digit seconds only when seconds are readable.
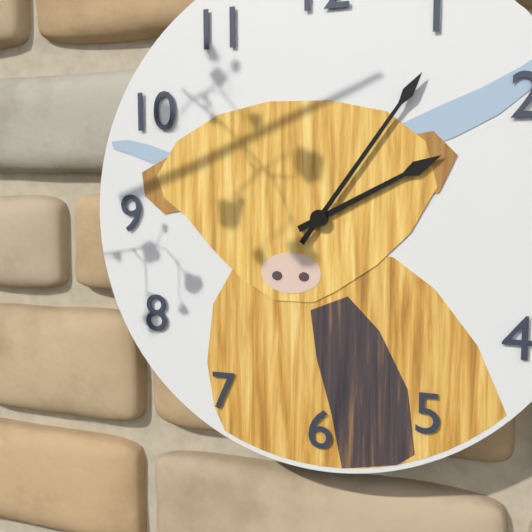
2.06
